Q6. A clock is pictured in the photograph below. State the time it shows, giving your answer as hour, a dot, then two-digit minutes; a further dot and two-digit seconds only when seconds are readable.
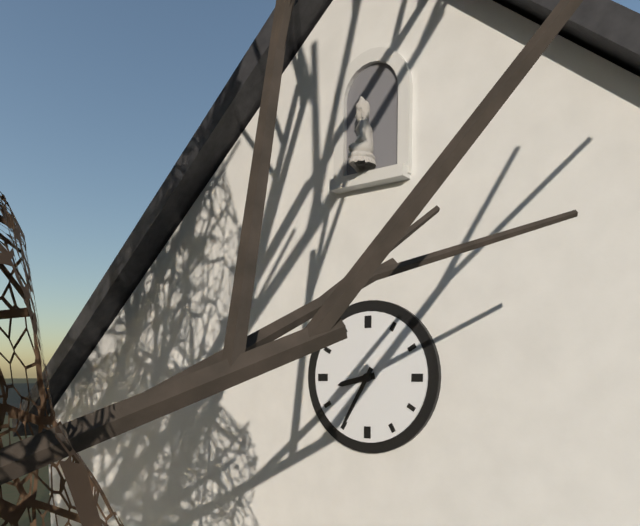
8.35
